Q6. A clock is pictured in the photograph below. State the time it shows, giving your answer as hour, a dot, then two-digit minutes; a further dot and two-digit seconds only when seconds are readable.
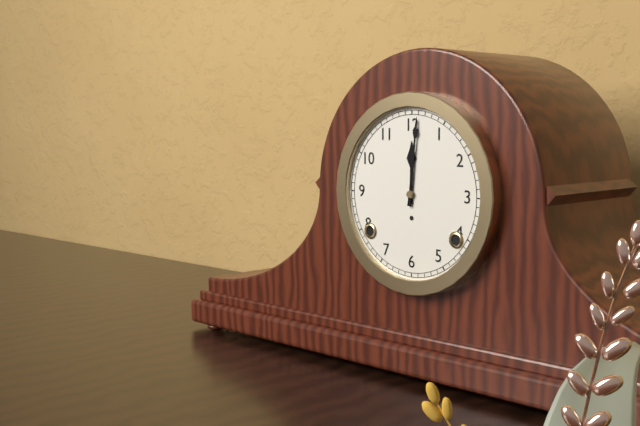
12.01
